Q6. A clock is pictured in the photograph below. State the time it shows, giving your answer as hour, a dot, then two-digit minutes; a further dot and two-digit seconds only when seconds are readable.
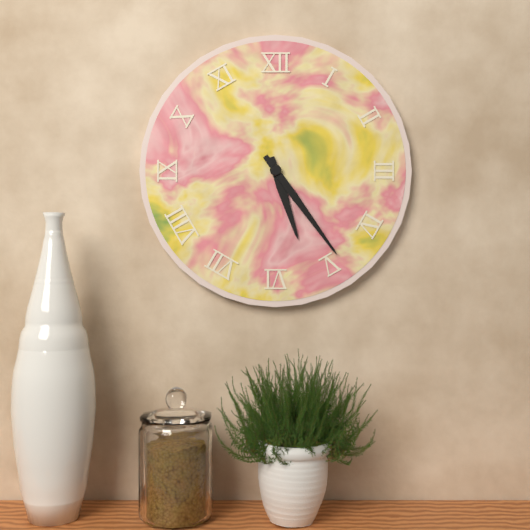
5.24
